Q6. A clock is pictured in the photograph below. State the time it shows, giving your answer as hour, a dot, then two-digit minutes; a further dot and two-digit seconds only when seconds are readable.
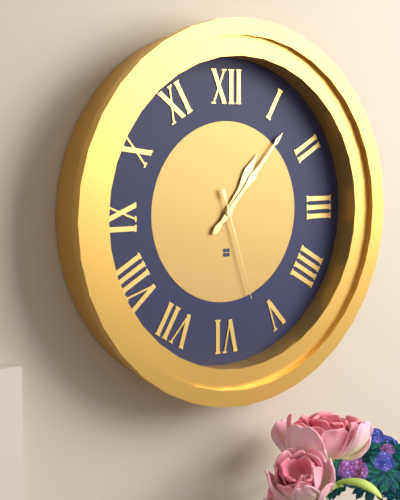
1.07.27
